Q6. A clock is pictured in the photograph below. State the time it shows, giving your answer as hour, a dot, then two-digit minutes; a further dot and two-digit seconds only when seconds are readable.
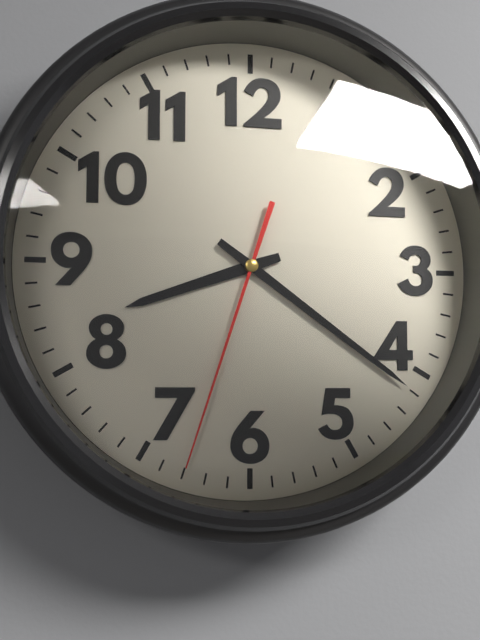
8.21.33
